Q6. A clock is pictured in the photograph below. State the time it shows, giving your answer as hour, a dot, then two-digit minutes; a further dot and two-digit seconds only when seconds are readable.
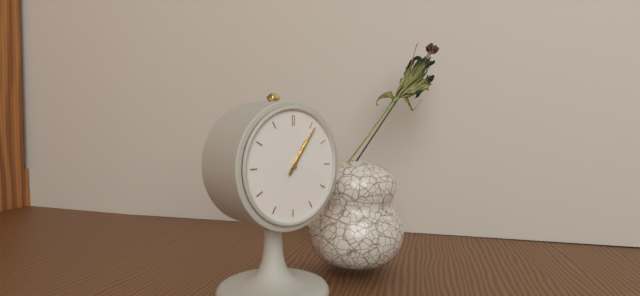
1.06
